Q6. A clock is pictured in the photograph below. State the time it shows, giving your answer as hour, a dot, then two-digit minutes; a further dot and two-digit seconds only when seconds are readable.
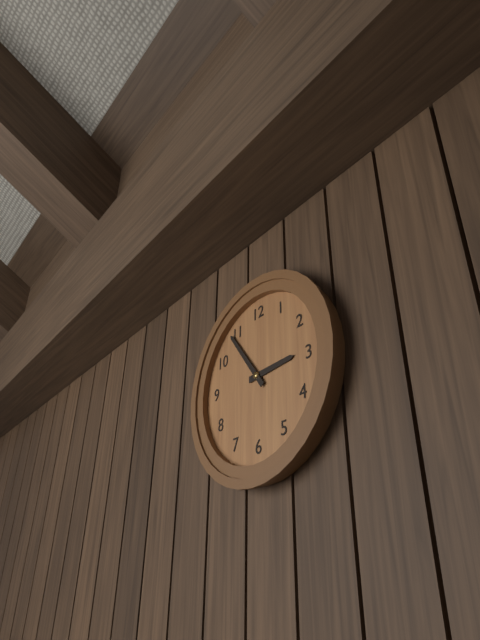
2.54
